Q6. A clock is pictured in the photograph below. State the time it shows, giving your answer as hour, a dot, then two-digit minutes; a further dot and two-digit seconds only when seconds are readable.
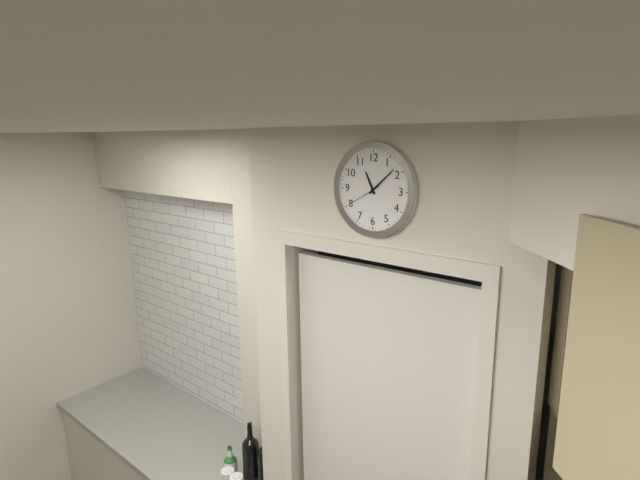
11.08
